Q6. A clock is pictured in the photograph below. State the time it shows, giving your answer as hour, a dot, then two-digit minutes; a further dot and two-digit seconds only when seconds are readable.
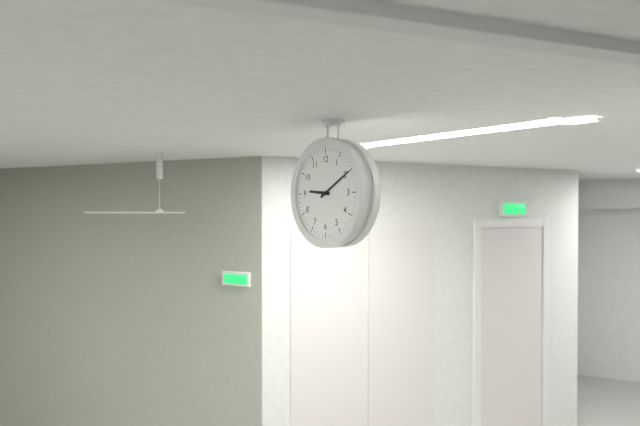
9.10
